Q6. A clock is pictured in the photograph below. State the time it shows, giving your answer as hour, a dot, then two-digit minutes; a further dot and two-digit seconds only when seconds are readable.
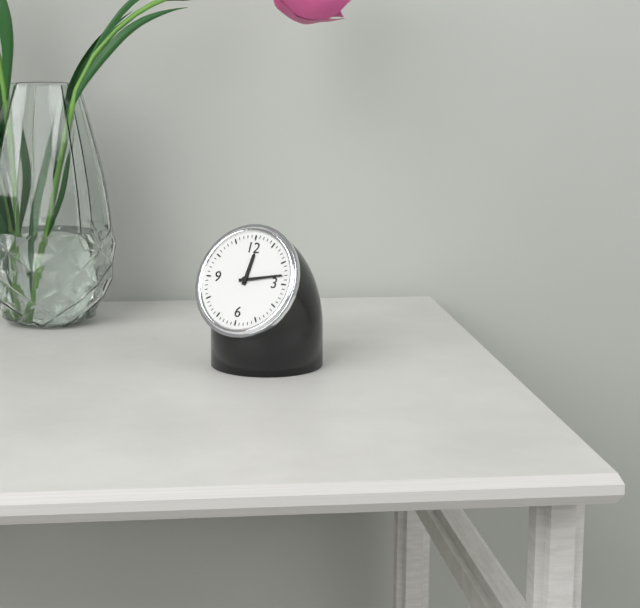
12.13
